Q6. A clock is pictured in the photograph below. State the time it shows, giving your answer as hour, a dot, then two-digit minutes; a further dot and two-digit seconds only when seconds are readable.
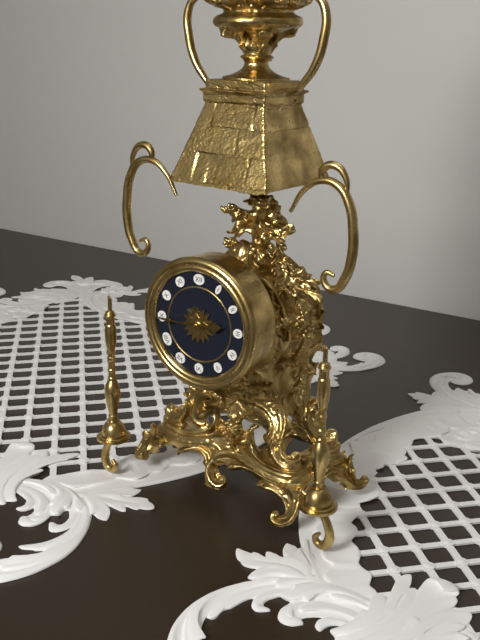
2.45
